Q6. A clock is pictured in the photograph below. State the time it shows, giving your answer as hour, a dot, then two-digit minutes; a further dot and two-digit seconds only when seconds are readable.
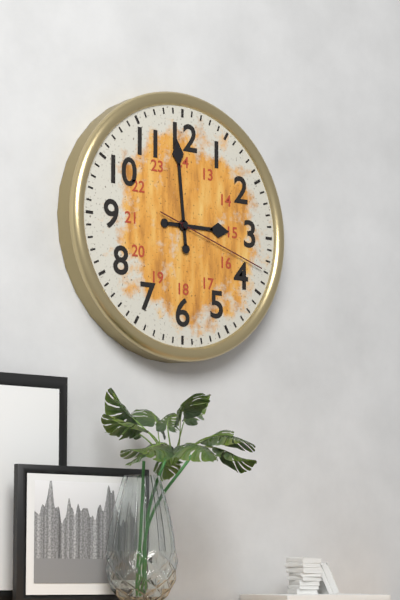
2.59.18
